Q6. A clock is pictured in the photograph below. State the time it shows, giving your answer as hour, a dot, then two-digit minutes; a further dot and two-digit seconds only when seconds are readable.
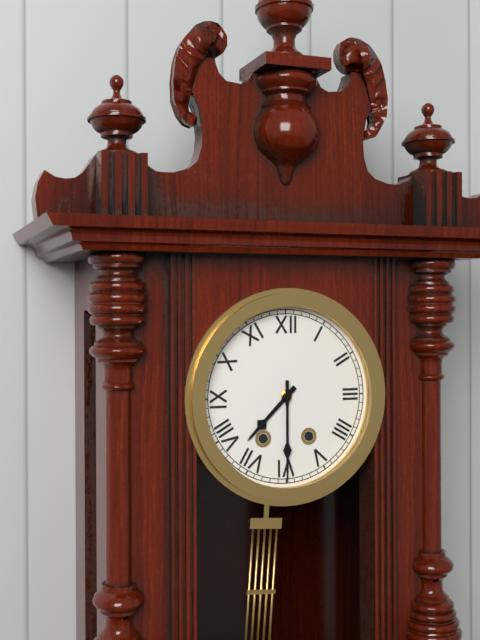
7.30
